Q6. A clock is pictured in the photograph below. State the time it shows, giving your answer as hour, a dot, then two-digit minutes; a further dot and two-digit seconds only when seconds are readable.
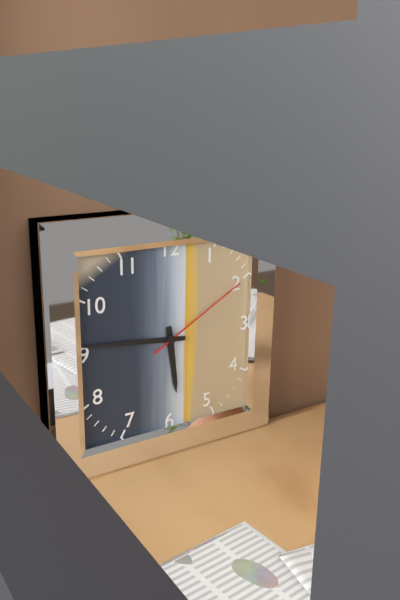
5.46.10
